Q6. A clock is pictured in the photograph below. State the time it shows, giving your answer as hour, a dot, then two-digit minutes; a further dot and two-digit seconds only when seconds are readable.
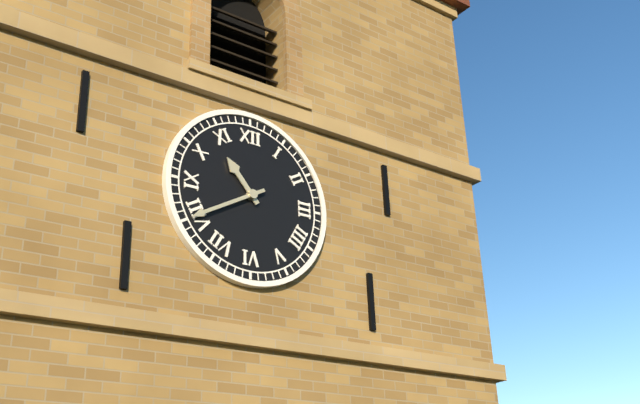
10.40
